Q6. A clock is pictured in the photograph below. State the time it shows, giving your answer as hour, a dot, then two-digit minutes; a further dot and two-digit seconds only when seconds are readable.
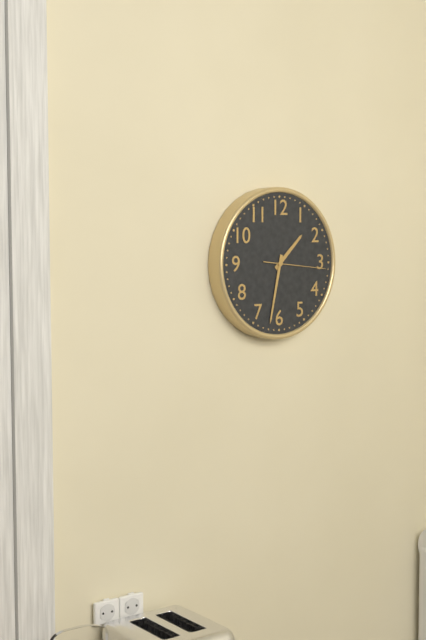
1.32.16
